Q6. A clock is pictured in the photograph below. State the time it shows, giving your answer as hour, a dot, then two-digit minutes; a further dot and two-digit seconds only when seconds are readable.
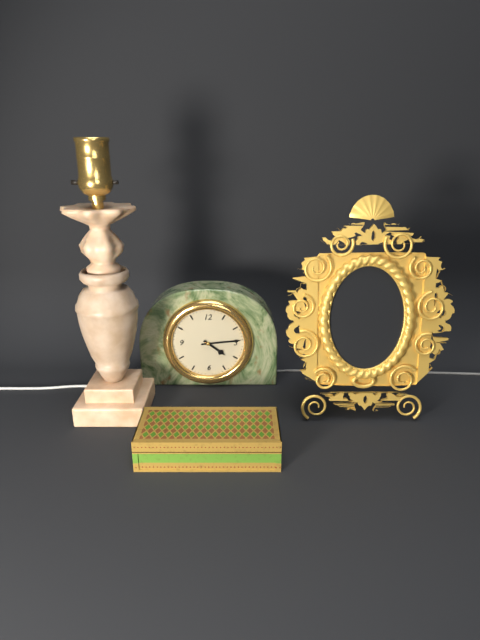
4.14
